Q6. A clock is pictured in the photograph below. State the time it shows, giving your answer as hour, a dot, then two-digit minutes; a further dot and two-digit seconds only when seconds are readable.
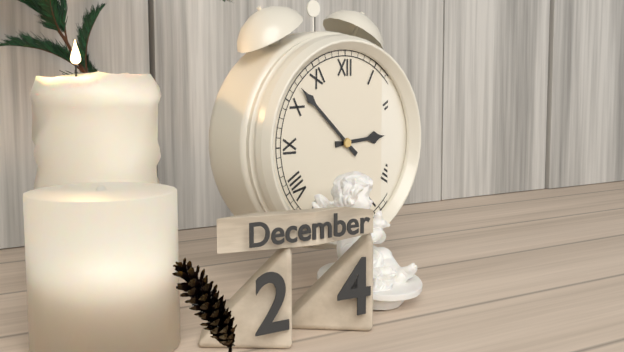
2.52
